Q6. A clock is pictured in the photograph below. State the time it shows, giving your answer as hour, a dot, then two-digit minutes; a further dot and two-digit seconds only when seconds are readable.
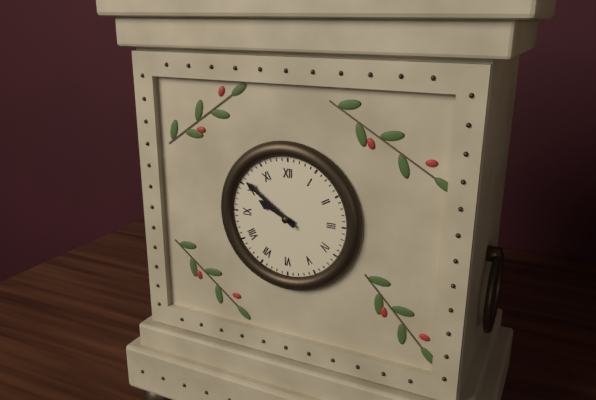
9.51
